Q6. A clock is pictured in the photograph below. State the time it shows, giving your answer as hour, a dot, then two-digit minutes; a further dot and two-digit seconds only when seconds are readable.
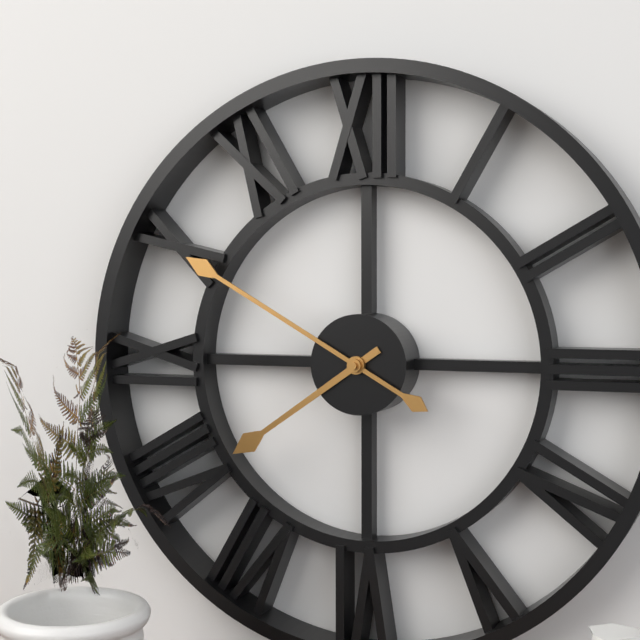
7.50
